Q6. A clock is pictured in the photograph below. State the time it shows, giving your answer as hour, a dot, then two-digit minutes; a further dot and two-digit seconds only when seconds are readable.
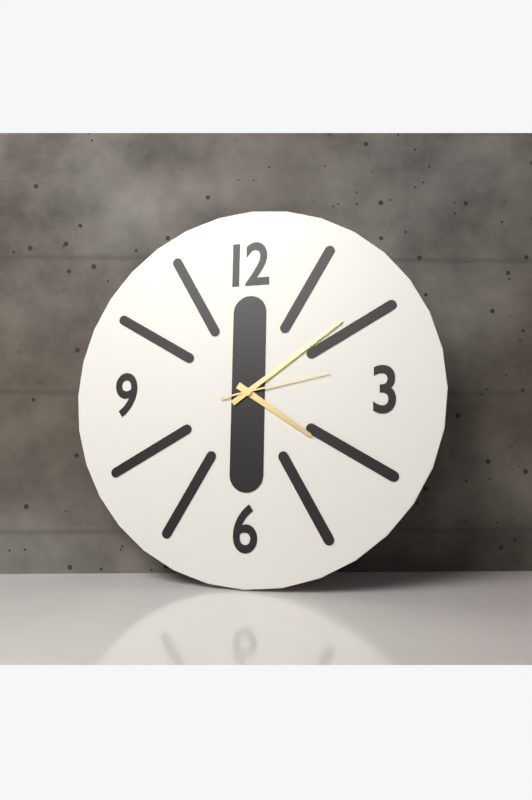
4.09.13
